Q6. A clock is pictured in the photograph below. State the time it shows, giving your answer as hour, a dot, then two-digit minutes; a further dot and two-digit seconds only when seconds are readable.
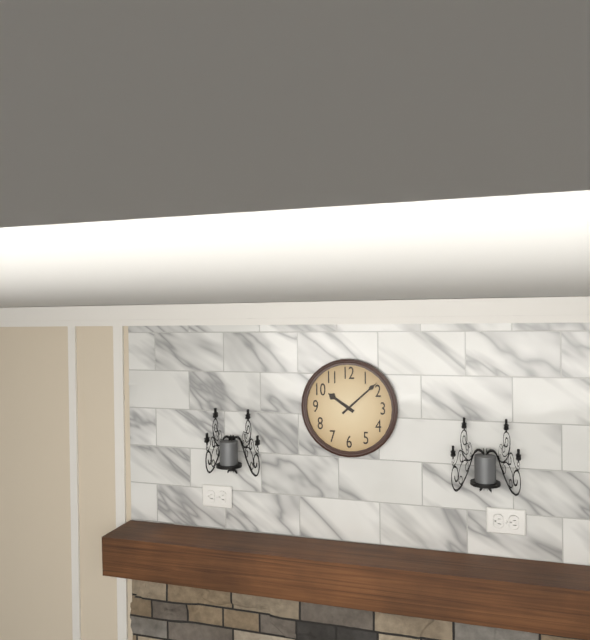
10.08
